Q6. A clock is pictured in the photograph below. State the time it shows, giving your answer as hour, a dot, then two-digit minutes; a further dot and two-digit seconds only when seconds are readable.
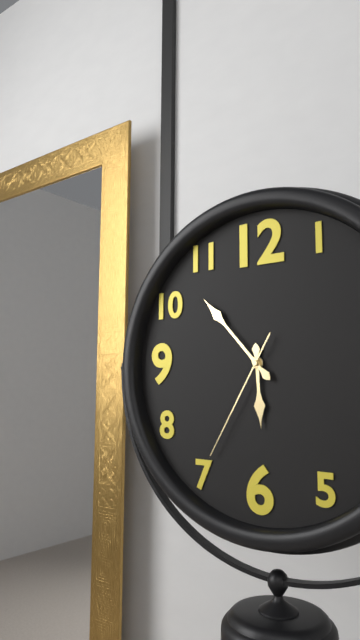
5.53.35
